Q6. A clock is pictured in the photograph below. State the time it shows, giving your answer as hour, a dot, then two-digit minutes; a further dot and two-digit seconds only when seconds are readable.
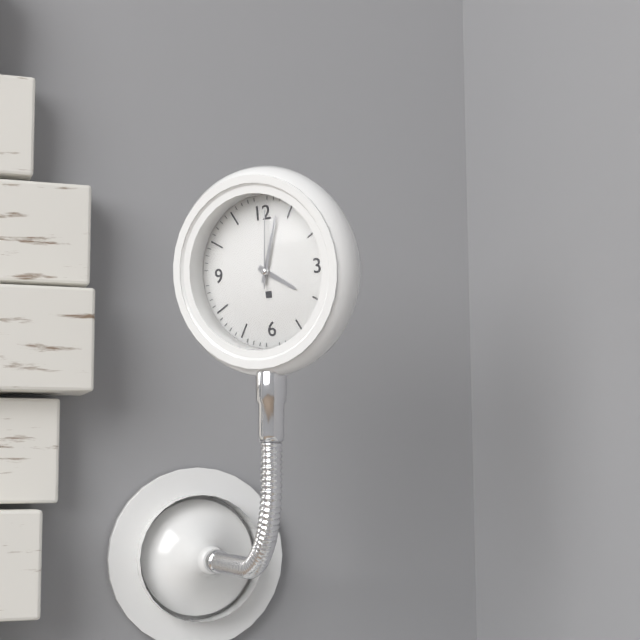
4.03.01
